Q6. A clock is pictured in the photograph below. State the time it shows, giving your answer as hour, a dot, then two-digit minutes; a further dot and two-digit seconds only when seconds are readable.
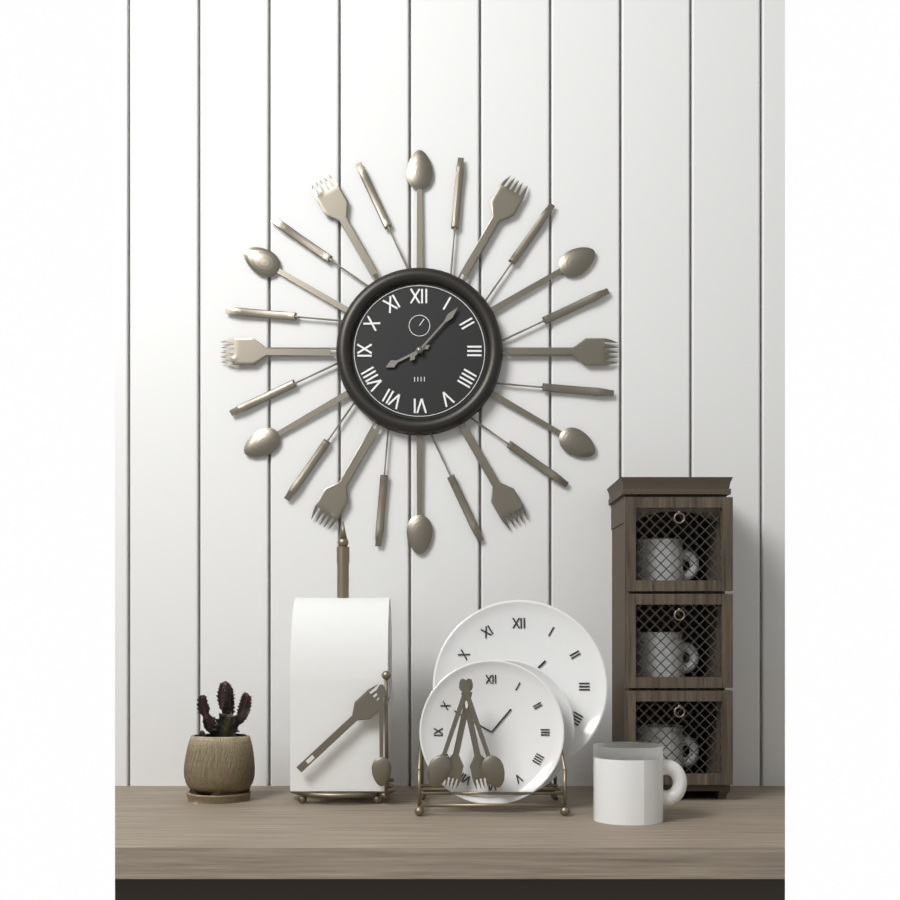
8.07
